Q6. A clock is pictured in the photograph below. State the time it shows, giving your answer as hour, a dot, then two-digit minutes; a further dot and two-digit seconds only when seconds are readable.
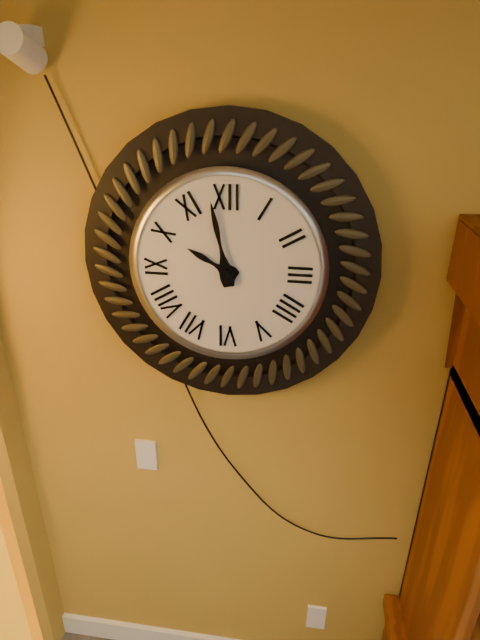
9.58
